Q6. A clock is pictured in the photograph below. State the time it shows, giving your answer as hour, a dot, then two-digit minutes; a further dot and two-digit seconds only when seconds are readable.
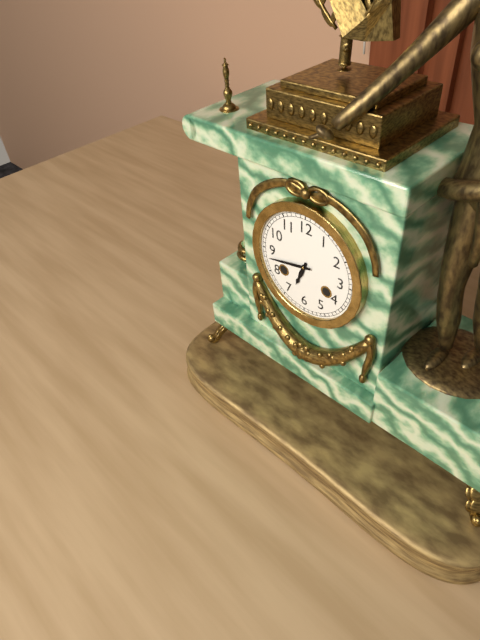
6.43
